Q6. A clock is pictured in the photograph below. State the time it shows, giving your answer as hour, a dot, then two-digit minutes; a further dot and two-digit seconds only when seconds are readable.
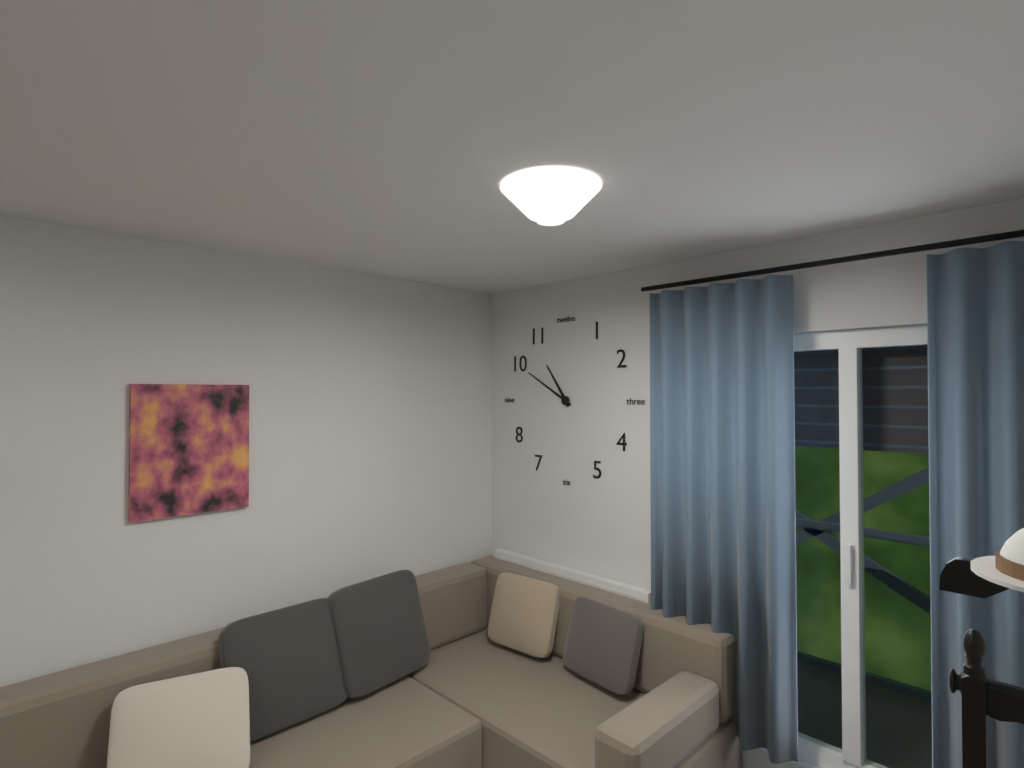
10.50
